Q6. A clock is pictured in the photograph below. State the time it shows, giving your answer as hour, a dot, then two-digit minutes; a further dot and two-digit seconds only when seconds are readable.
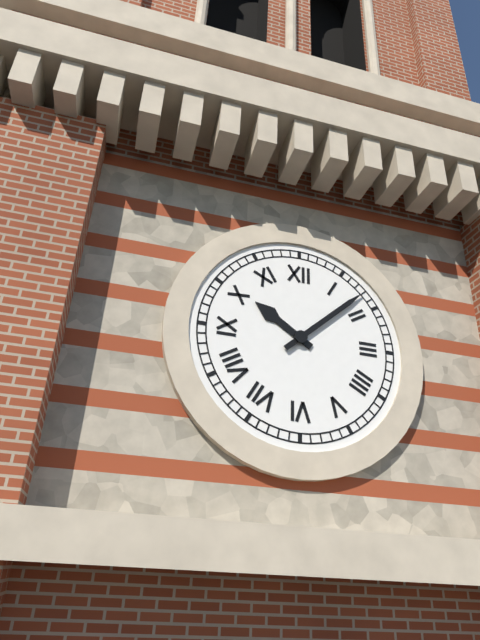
10.08
